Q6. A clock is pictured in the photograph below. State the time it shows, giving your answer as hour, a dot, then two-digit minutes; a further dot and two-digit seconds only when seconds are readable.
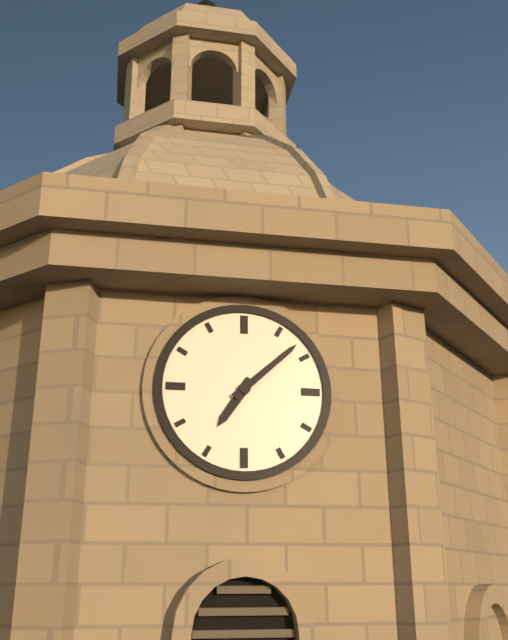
7.08
